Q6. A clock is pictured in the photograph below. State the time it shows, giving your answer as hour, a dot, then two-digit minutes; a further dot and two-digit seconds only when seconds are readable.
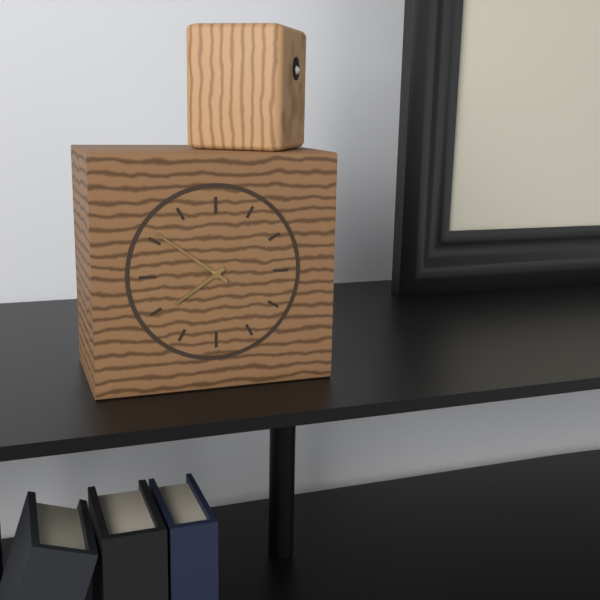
7.51
